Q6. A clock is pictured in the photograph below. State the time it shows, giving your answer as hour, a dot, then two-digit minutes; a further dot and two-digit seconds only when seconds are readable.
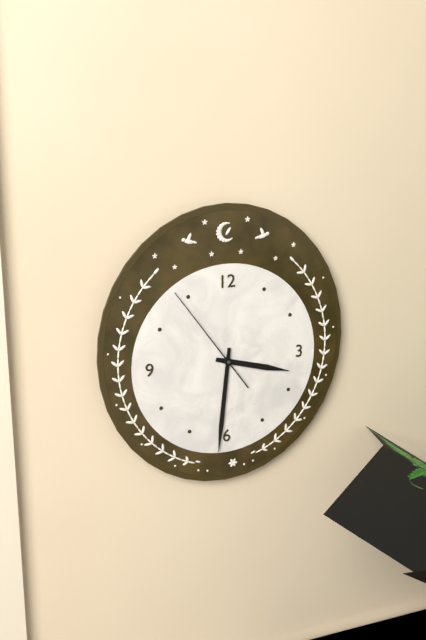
3.31.54
